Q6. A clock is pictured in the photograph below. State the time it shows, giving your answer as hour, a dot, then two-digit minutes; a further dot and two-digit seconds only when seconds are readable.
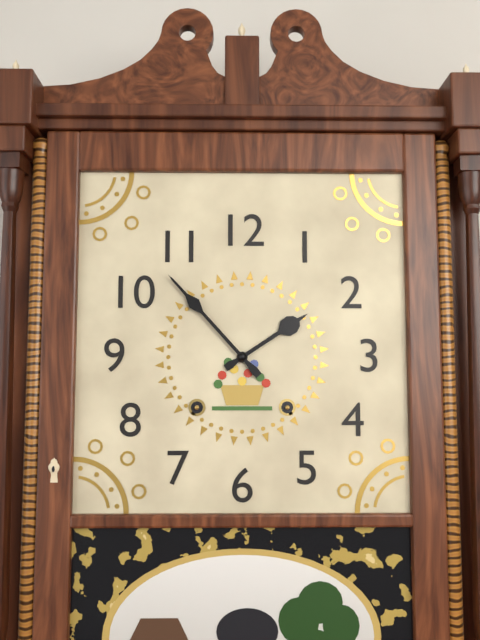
1.53
